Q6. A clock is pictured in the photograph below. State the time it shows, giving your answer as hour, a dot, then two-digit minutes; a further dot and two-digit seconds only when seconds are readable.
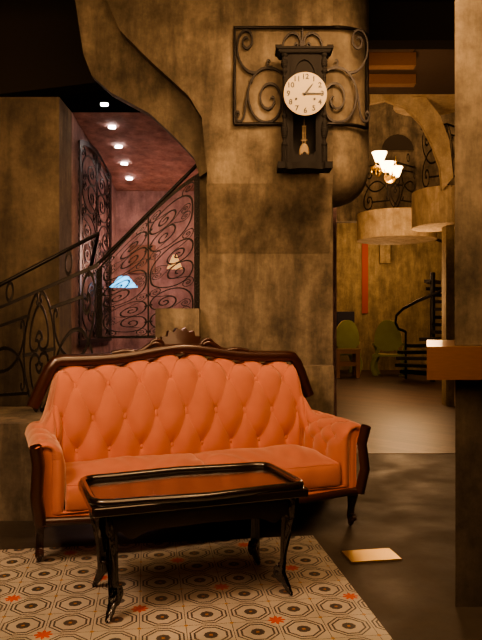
1.15
